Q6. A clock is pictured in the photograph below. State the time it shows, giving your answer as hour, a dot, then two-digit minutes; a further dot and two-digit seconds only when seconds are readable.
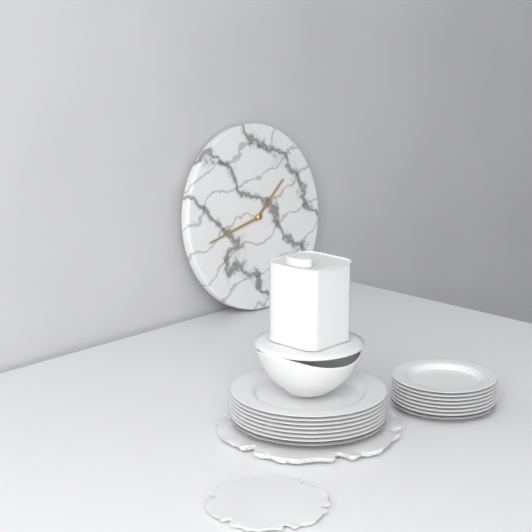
1.43
